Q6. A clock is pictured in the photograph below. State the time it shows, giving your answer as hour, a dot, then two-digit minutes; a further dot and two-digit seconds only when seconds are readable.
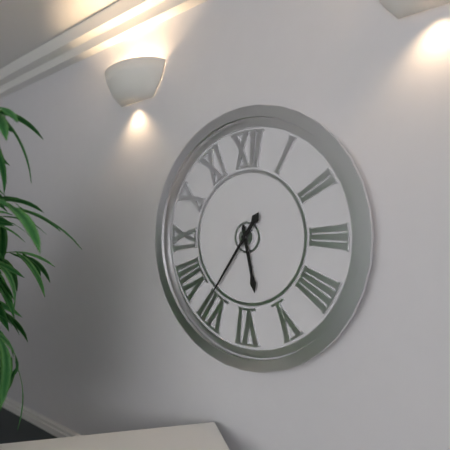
5.36
